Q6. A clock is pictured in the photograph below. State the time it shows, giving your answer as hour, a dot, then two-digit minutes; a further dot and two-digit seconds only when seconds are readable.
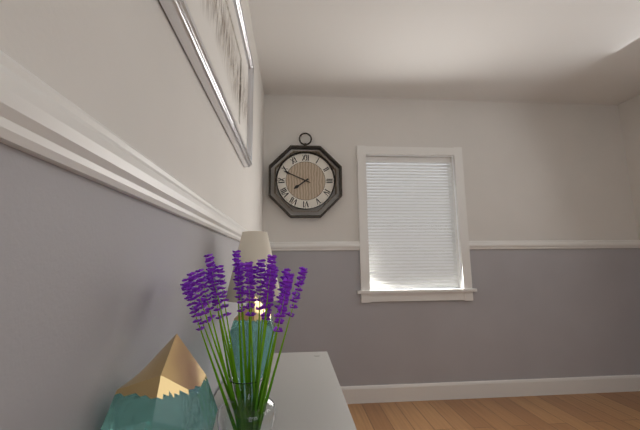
7.49
